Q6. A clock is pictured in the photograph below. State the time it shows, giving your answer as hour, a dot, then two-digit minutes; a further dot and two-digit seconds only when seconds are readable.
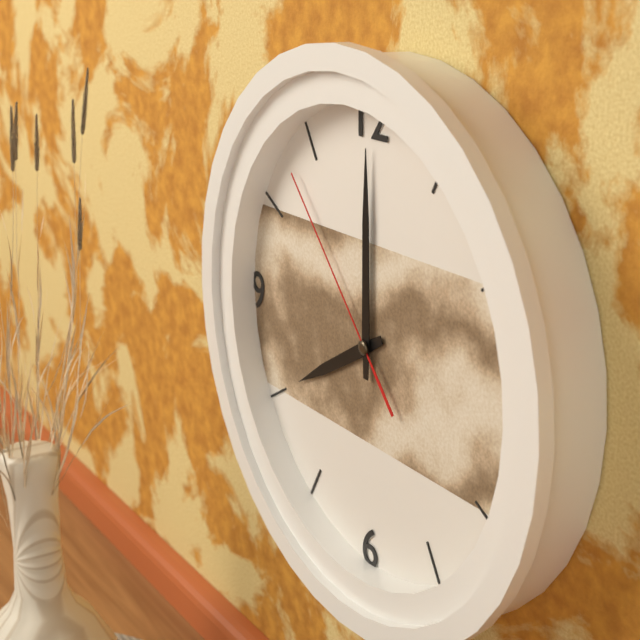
8.00.53
